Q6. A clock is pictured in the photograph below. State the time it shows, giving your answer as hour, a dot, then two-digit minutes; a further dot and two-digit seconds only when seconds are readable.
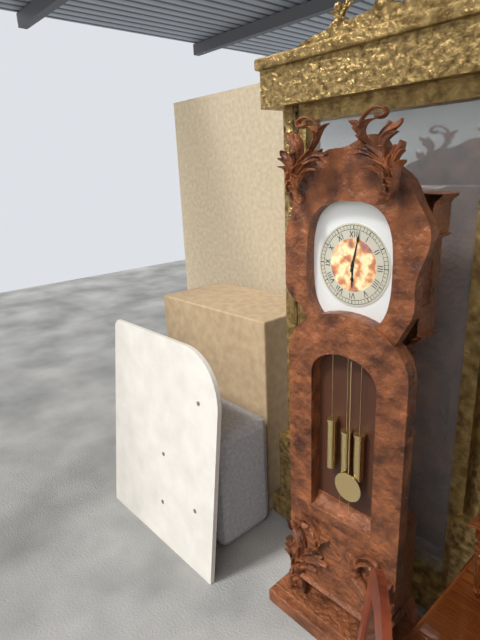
6.02
